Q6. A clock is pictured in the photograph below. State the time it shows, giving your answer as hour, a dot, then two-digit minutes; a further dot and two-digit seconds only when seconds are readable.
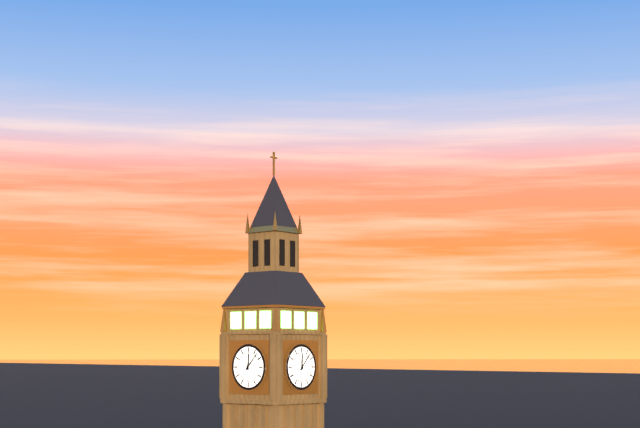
12.07
